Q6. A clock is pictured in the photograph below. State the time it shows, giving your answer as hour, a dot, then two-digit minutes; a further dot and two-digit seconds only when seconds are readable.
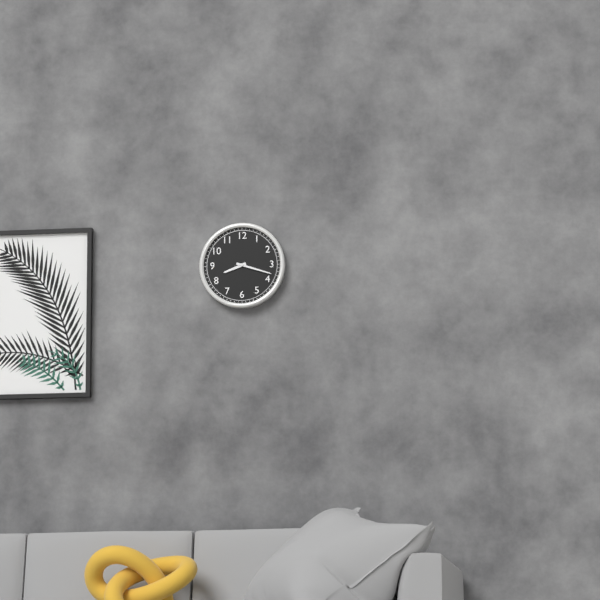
8.18
